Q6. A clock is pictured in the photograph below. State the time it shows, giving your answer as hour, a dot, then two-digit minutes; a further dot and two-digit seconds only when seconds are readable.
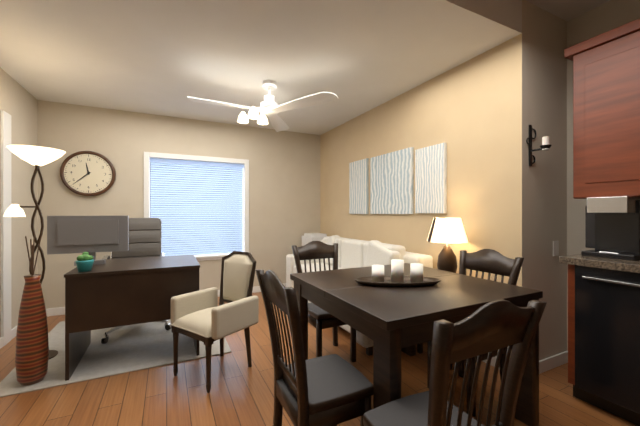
11.38
